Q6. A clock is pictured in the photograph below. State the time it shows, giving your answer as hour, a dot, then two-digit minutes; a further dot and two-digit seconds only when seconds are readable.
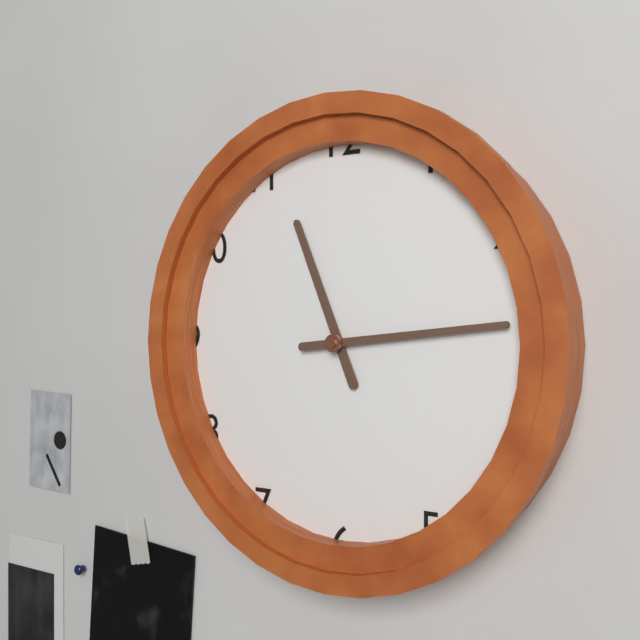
11.14
